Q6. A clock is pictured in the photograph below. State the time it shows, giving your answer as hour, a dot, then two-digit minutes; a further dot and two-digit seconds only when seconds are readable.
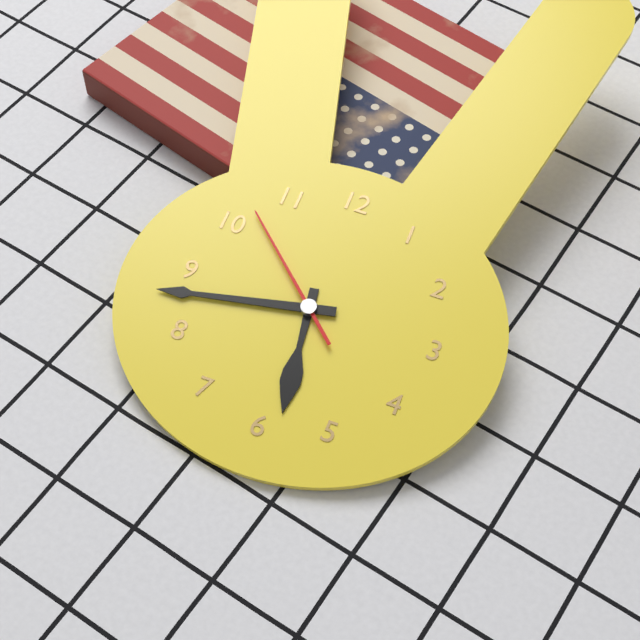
5.43.52
